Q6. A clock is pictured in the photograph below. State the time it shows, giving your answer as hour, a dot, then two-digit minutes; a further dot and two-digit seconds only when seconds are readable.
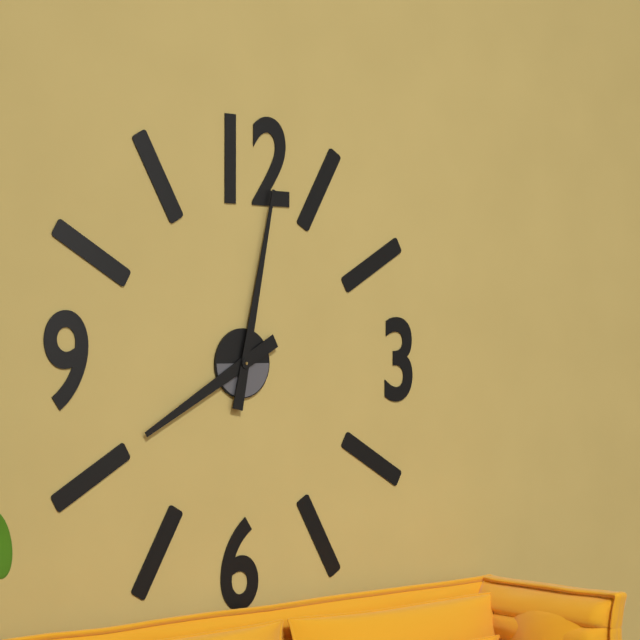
8.02
